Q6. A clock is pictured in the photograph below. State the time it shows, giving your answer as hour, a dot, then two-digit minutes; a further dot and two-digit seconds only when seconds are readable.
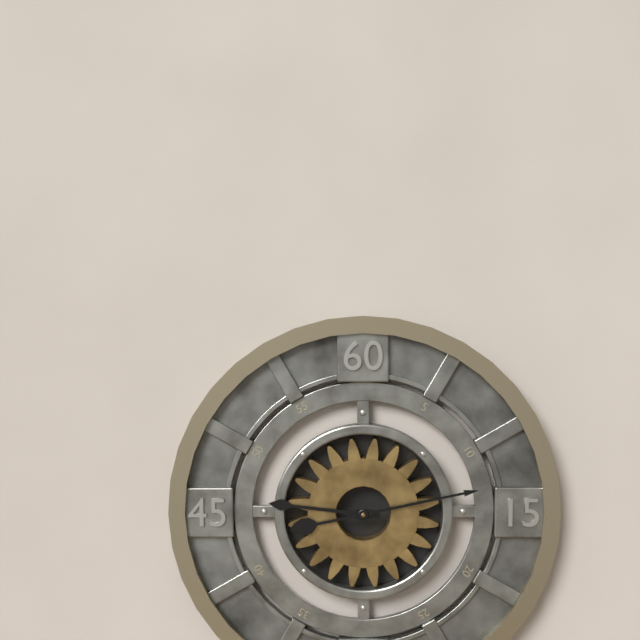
9.13
